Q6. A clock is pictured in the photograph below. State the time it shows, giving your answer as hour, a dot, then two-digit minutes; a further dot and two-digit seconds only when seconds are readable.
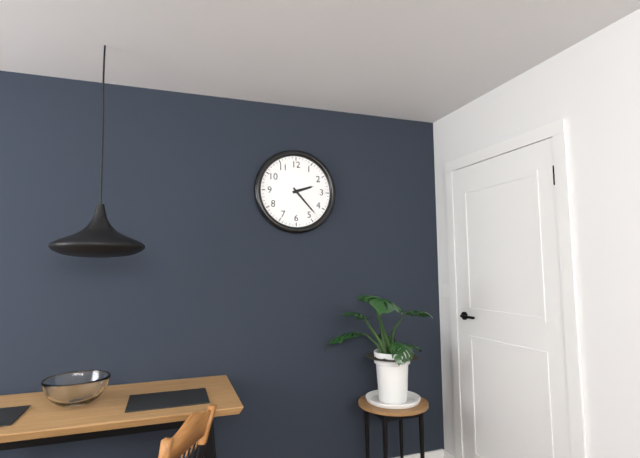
2.23
